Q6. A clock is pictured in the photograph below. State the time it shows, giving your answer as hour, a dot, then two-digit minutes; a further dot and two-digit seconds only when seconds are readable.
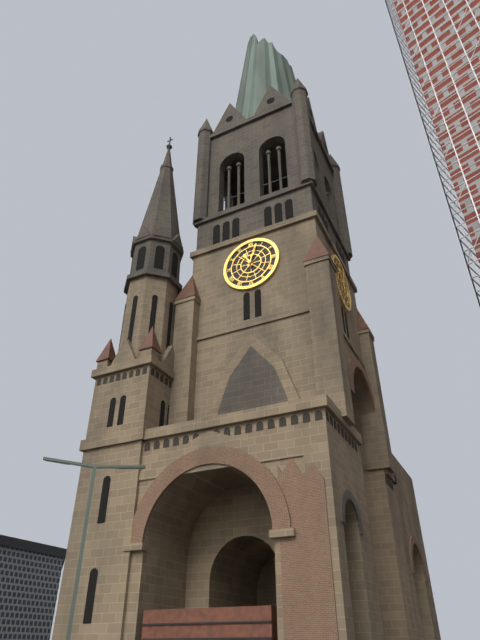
11.03
